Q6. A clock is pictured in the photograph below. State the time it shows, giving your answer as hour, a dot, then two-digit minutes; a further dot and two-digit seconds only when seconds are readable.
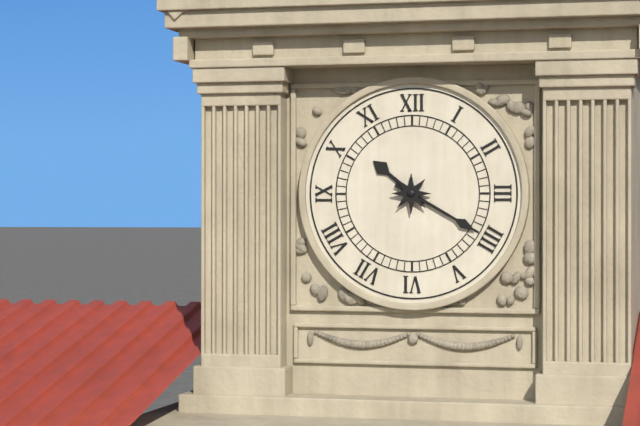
10.20
